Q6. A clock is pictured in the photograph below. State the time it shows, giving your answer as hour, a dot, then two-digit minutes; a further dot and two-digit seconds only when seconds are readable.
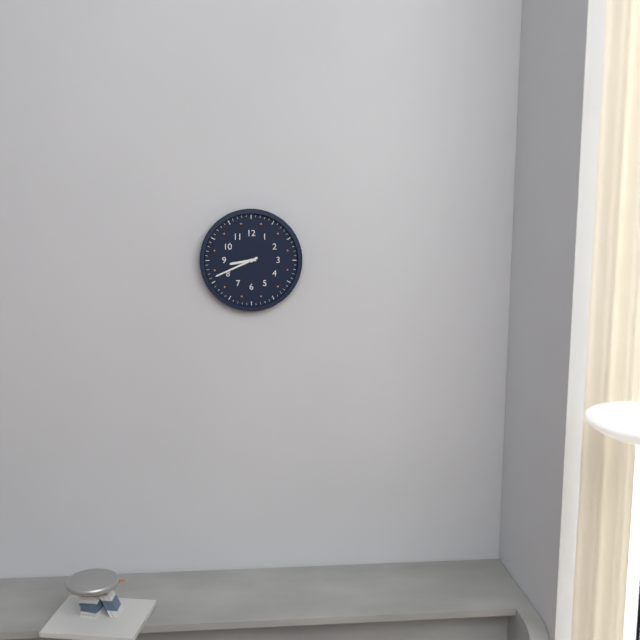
8.41
